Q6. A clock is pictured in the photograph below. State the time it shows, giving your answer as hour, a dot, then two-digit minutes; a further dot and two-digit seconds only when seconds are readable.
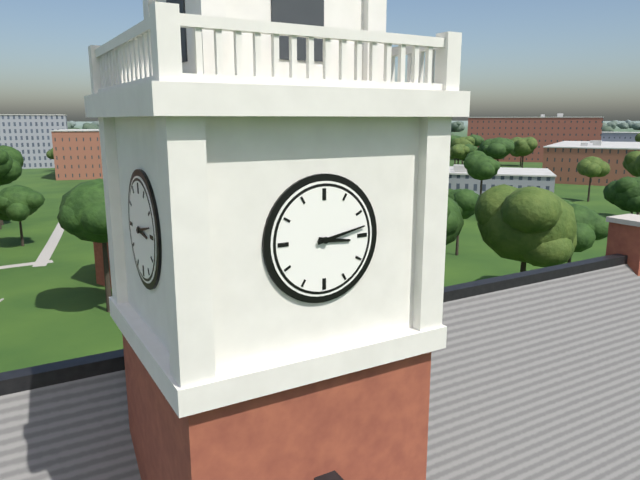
3.13
